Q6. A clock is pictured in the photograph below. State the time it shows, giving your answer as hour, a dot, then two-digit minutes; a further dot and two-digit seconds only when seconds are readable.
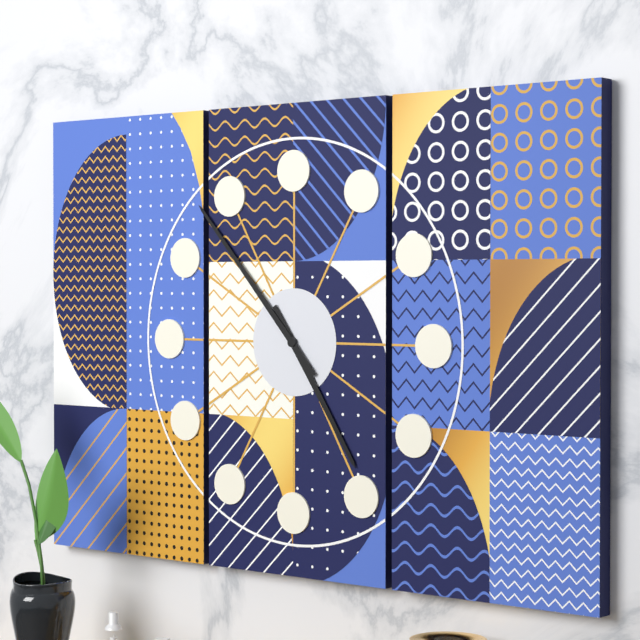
4.53
